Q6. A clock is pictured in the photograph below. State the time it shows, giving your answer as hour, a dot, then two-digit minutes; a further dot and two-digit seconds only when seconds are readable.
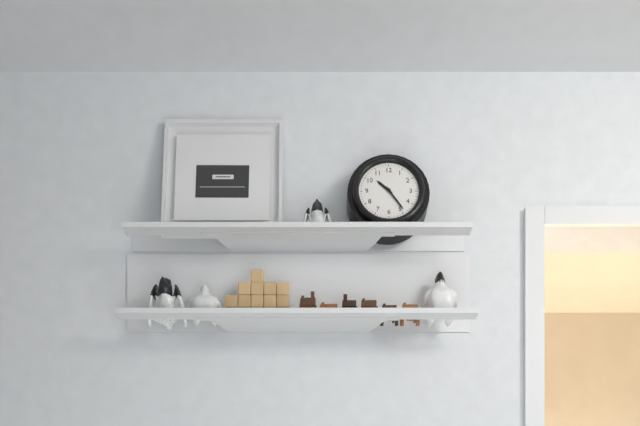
10.24
